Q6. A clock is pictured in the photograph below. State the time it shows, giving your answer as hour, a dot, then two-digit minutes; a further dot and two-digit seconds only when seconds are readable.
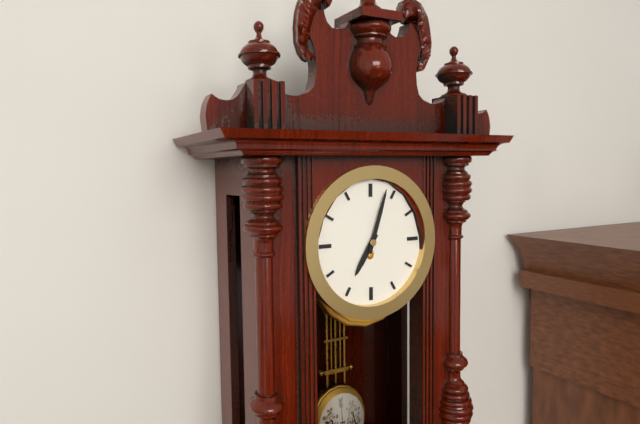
7.03
